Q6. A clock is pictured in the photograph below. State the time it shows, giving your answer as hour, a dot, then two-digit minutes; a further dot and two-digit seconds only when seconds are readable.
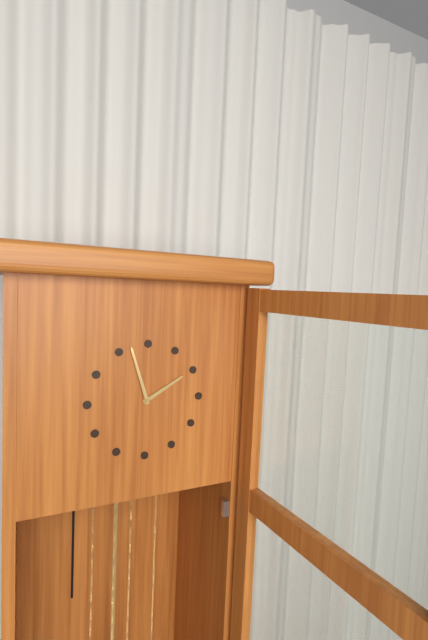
1.57
